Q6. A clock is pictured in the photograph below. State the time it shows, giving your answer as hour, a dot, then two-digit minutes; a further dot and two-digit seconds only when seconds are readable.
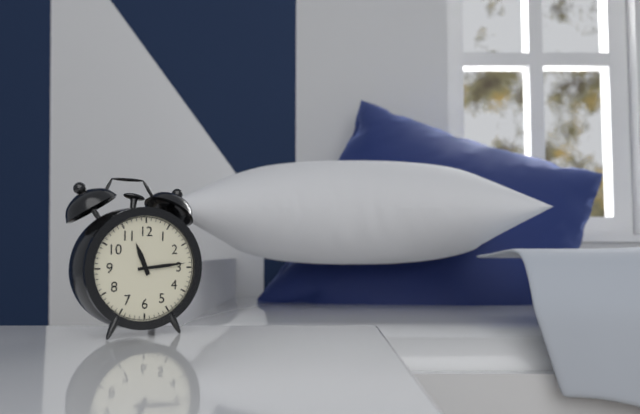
11.14
